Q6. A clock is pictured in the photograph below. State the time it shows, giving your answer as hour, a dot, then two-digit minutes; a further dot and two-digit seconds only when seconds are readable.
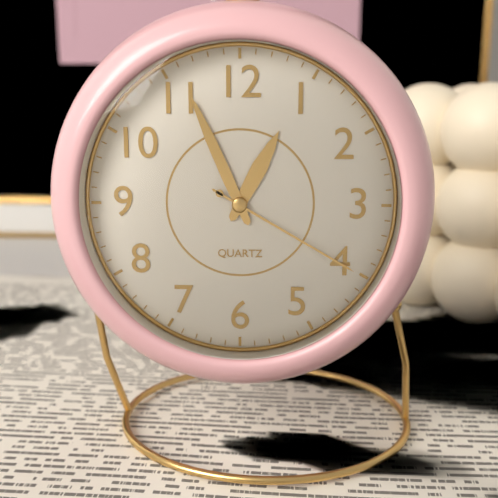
12.56.20
